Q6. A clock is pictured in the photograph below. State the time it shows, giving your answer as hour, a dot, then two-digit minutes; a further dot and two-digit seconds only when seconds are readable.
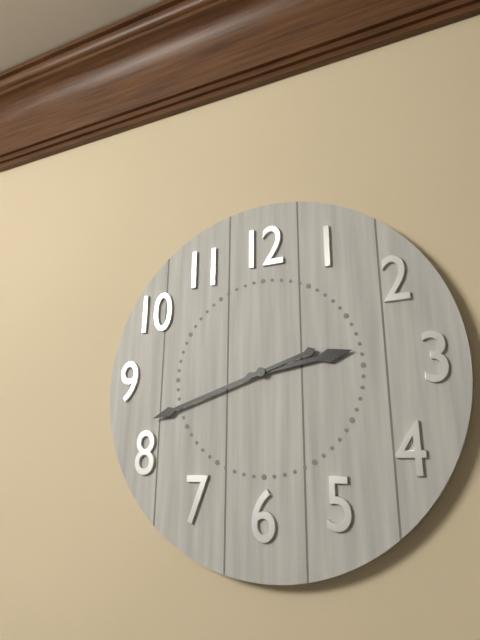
2.42
